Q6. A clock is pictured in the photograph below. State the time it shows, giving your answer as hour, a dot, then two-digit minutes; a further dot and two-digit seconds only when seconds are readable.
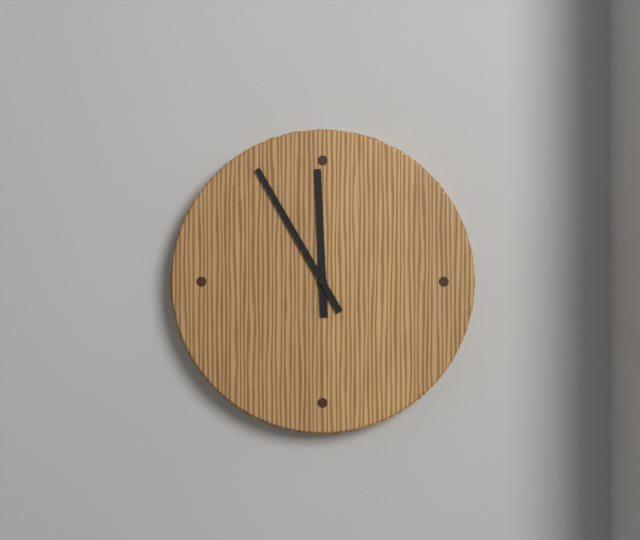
11.55
